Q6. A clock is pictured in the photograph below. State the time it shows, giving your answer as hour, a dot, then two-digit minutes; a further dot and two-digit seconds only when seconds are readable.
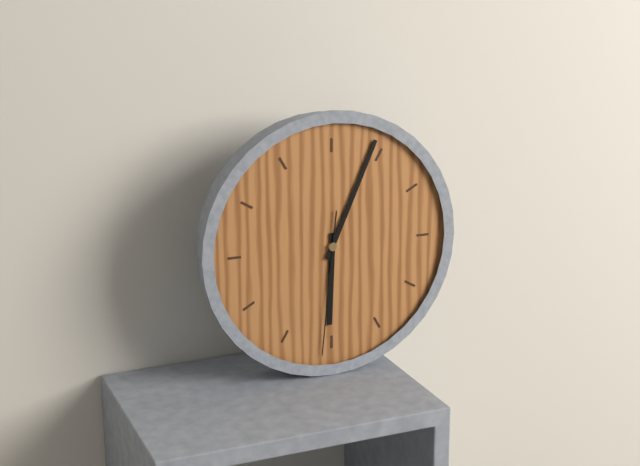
6.04.31
